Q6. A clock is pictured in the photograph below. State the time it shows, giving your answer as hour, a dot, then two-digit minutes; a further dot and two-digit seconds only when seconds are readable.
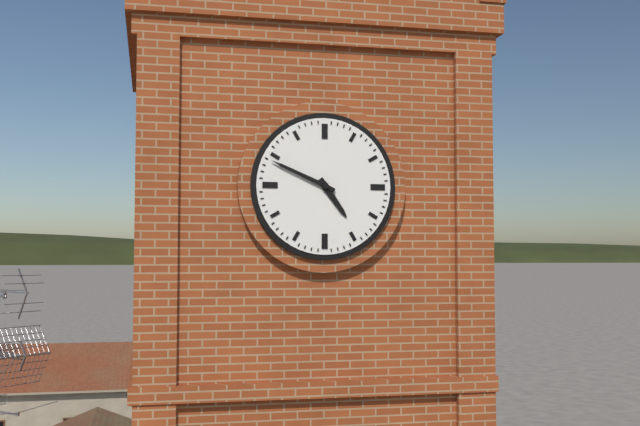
4.49
